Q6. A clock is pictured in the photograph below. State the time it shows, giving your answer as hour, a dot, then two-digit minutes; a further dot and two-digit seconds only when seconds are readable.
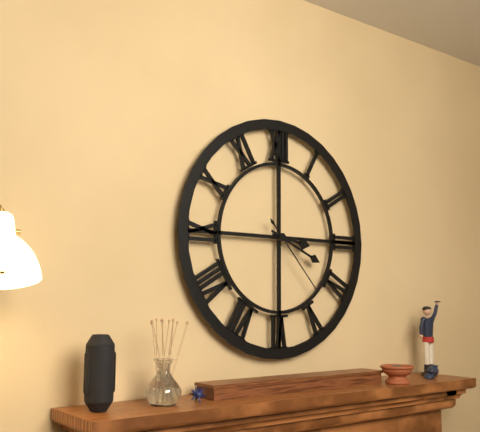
3.19.23
